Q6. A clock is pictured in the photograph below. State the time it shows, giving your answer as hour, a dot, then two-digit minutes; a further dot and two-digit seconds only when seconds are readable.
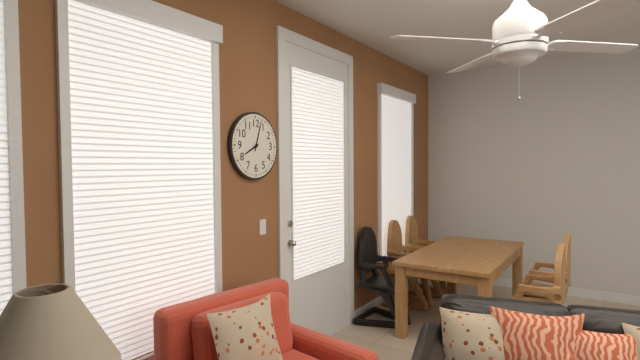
8.03
